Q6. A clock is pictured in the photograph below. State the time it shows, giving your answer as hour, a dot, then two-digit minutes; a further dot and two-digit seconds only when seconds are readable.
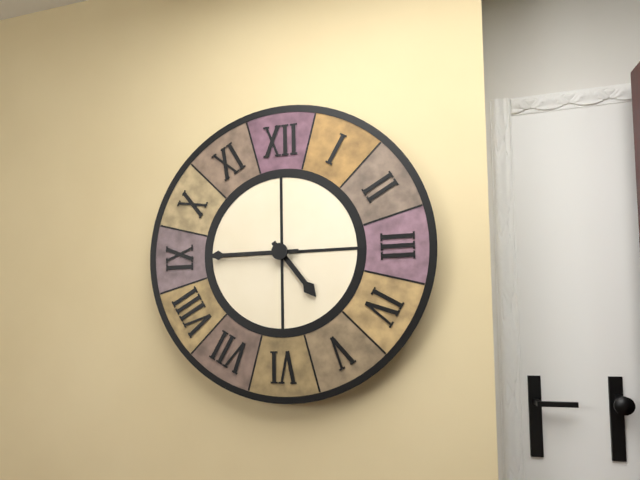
4.45
